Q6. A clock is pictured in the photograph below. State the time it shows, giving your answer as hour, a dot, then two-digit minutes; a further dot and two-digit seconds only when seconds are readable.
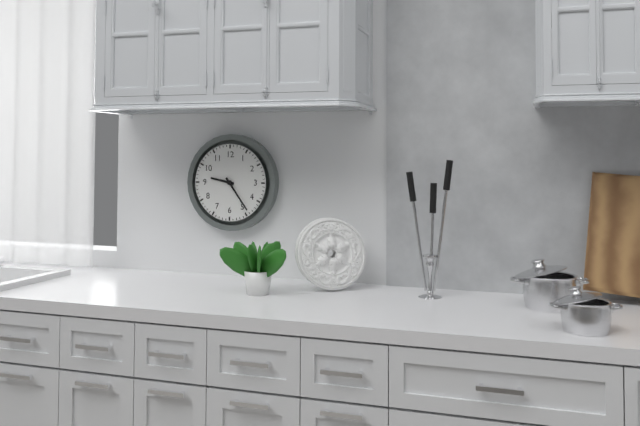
9.24
